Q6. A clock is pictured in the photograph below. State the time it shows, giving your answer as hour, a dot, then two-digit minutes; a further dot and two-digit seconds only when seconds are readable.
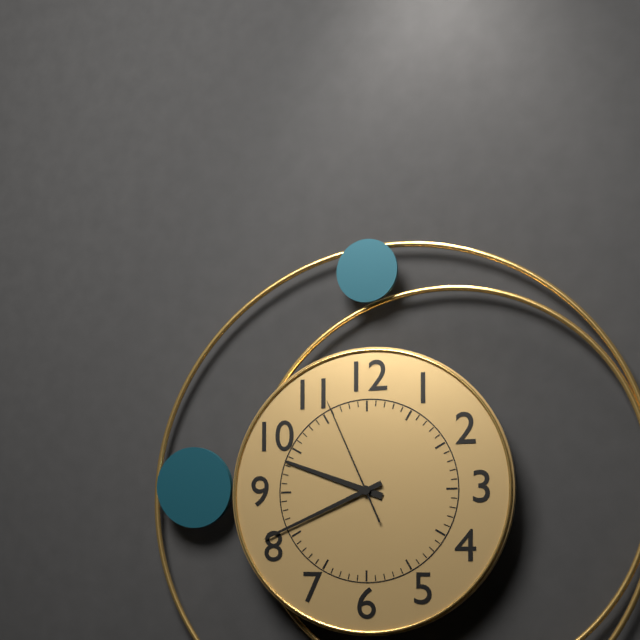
9.41.56
